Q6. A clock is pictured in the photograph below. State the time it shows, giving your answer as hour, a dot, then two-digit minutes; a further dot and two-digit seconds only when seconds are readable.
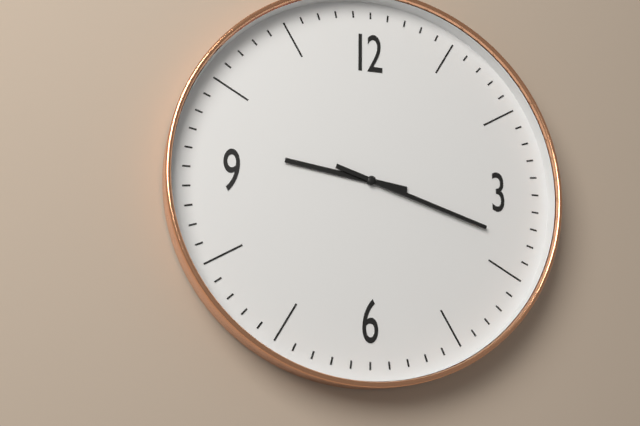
9.18
